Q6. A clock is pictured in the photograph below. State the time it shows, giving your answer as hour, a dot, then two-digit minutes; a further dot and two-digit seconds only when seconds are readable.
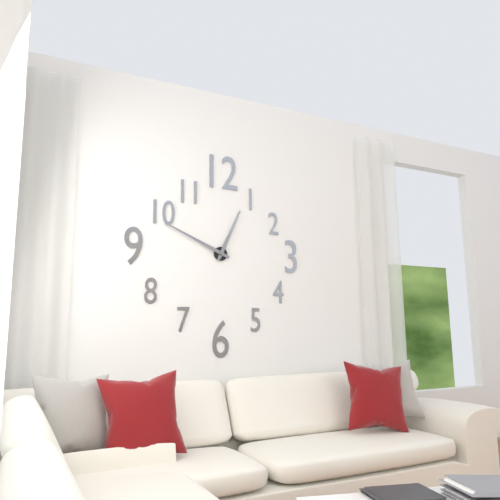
12.49
